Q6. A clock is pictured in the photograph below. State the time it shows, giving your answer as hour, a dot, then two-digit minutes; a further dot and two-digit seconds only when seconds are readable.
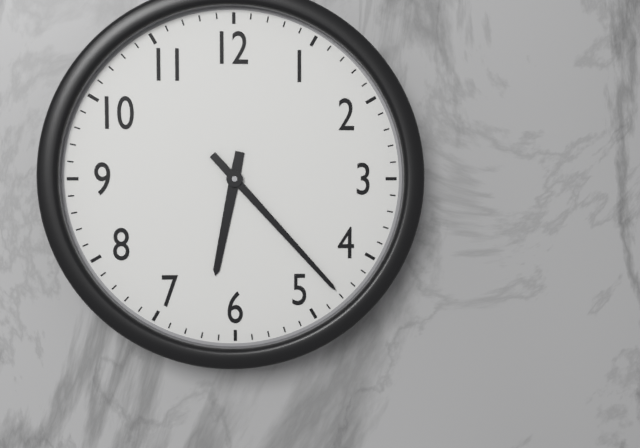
6.23
